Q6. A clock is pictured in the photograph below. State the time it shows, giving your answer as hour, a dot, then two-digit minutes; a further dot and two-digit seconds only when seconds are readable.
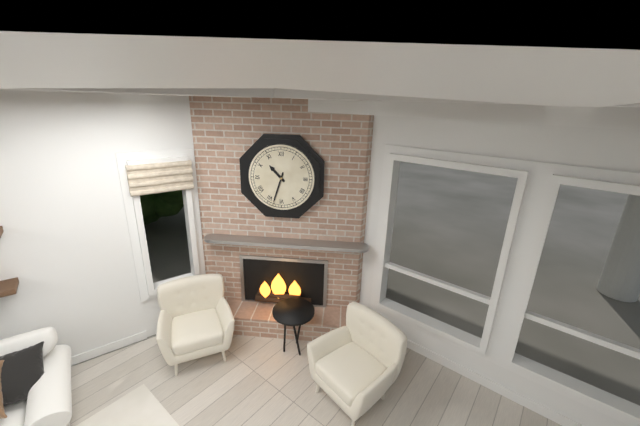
10.33
